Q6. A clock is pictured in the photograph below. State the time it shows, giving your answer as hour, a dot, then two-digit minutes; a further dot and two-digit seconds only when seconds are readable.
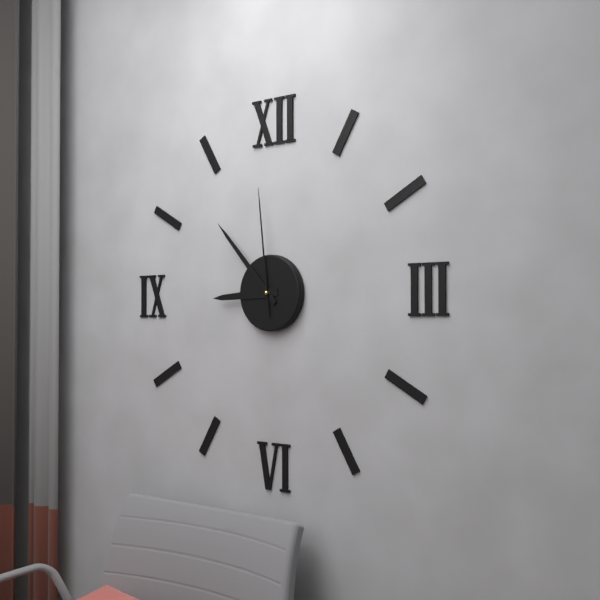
8.53.59
